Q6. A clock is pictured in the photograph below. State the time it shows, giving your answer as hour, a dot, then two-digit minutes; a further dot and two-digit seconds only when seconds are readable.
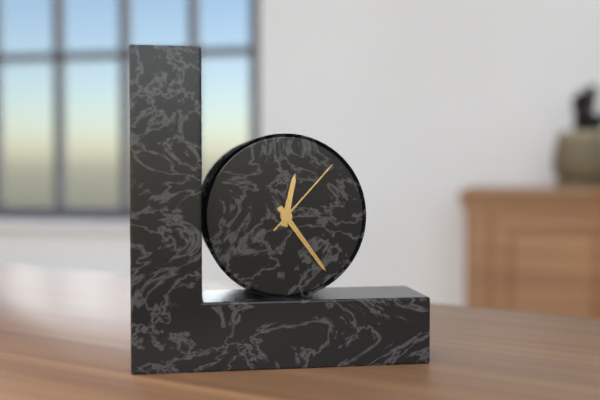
12.24.07
